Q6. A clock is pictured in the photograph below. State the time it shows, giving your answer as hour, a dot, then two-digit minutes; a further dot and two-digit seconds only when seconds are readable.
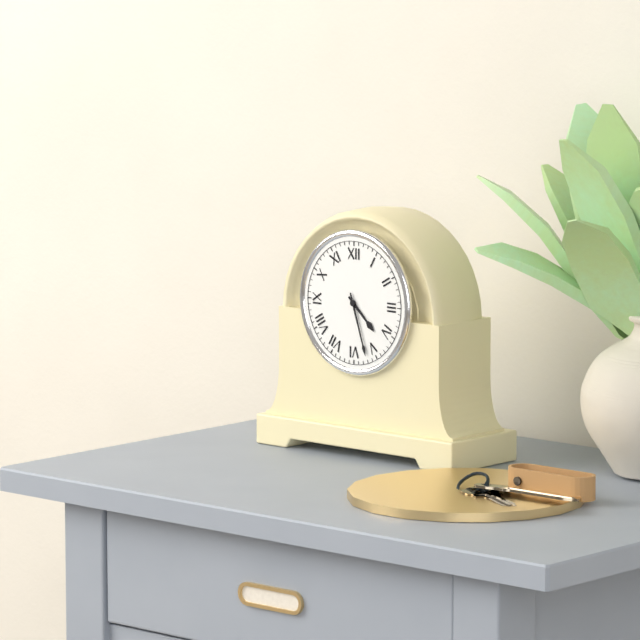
4.27
